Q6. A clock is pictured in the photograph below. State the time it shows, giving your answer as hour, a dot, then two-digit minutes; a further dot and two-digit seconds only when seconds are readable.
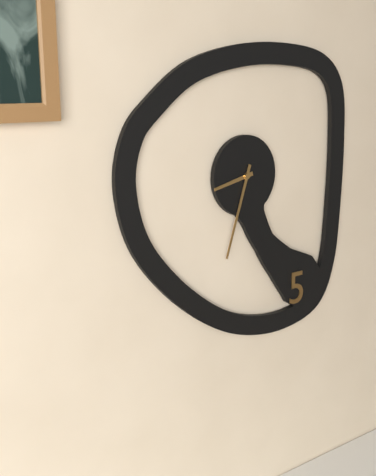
8.33
